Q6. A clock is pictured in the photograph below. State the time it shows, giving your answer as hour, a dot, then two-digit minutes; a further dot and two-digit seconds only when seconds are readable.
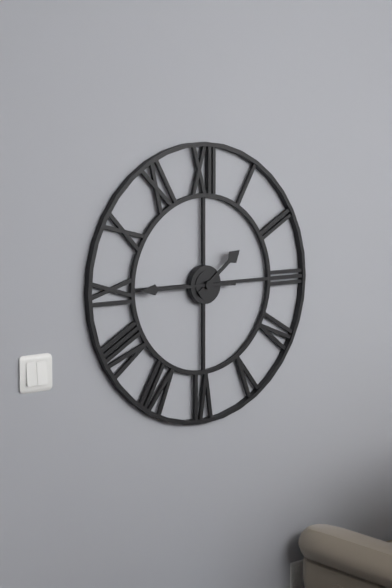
1.45
